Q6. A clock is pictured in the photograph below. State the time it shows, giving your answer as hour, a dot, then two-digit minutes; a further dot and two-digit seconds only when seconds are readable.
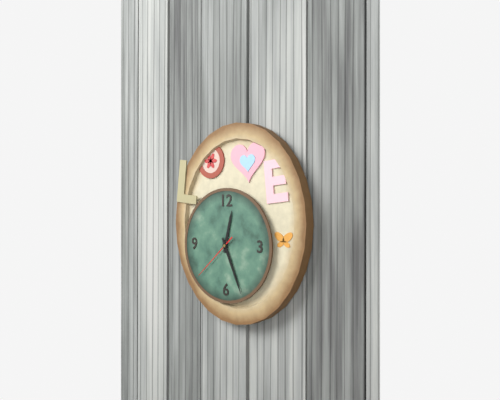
12.26.38
